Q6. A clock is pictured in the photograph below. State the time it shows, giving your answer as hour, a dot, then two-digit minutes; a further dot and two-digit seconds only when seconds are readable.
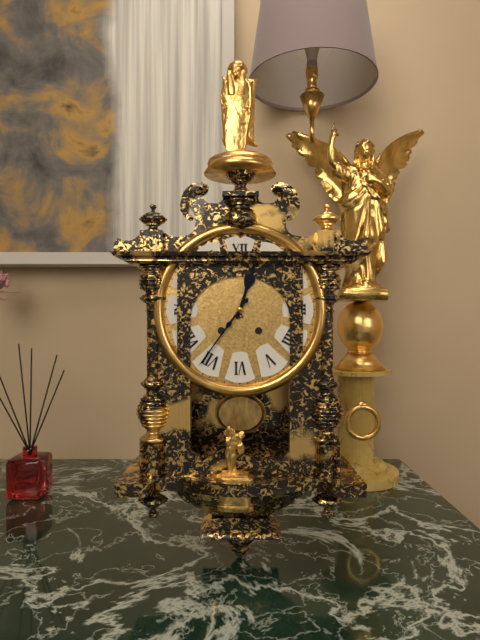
12.36
